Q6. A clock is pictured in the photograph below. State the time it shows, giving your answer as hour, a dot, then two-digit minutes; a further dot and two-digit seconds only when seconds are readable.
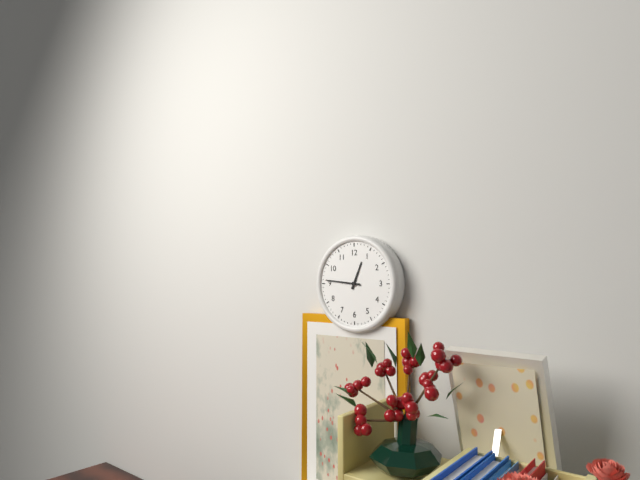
12.46
